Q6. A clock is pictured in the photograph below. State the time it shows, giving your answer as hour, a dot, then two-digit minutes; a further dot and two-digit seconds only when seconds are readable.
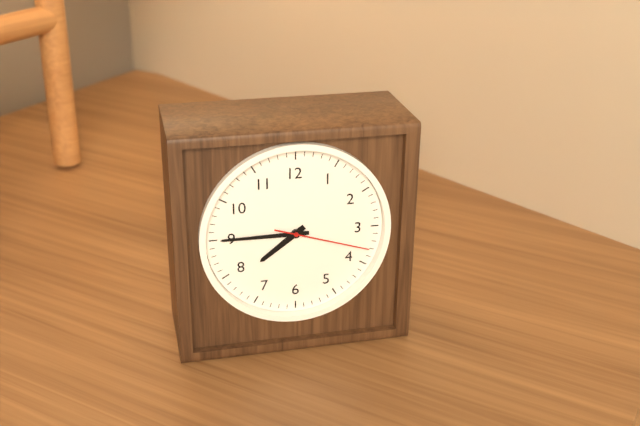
7.45.18
